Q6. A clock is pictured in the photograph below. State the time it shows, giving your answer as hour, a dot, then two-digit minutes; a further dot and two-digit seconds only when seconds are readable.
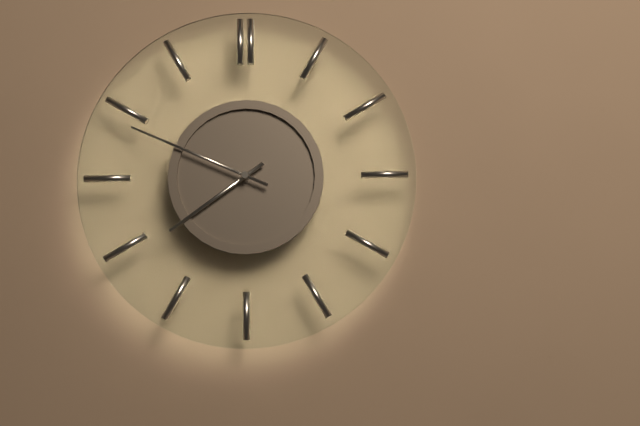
7.49
